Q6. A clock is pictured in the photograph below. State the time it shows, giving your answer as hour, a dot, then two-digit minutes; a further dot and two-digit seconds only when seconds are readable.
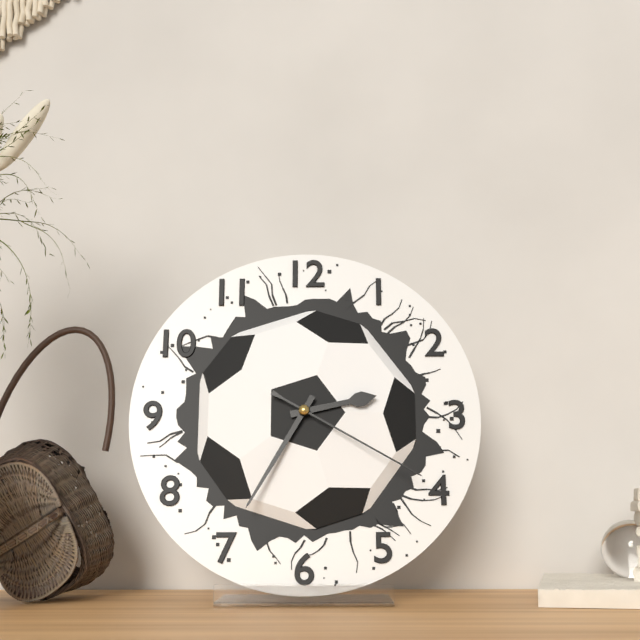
2.35.20
